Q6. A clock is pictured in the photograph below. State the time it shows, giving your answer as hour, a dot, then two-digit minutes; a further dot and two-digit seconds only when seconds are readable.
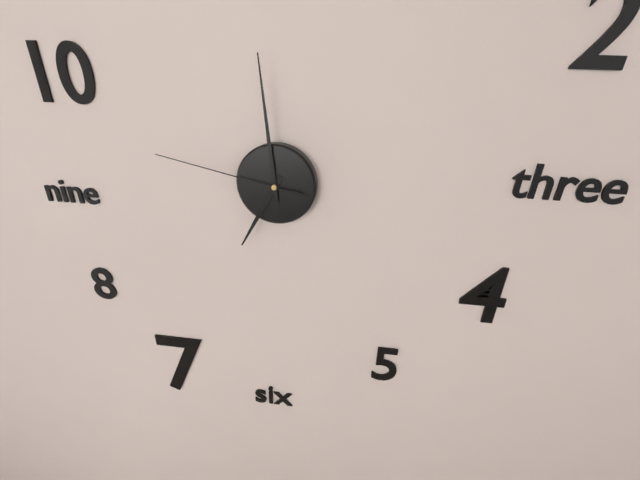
6.59.47
